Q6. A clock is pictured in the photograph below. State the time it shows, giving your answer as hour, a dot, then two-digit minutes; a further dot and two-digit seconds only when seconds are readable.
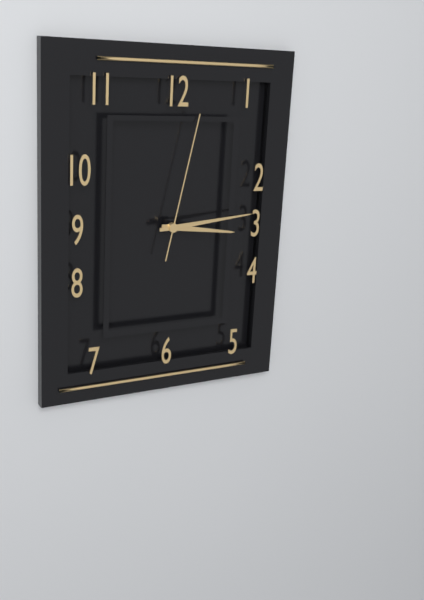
3.14.02
